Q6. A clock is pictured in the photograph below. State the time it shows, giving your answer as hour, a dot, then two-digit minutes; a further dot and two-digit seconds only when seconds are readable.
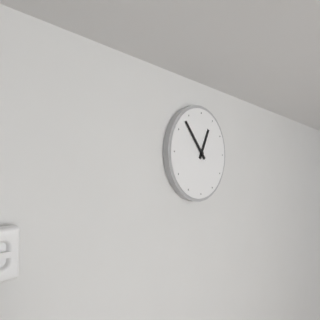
12.53
